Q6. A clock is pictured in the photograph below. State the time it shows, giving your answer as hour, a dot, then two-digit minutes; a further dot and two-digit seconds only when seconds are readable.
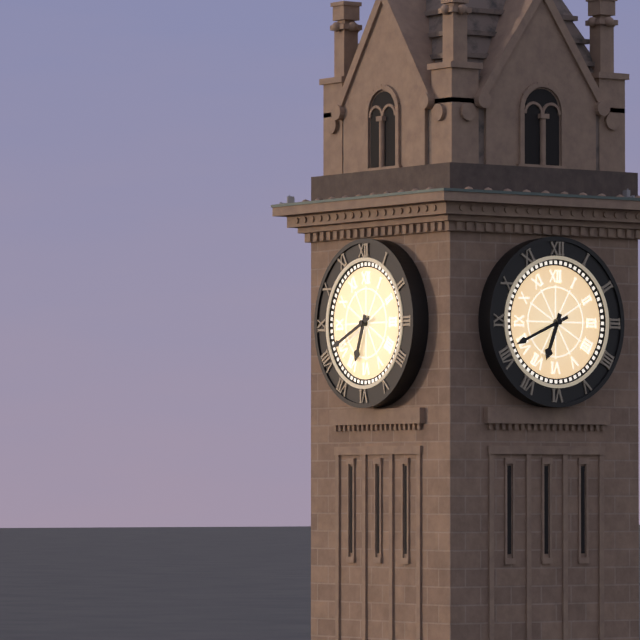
6.41
